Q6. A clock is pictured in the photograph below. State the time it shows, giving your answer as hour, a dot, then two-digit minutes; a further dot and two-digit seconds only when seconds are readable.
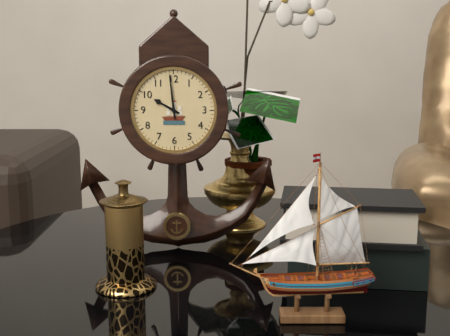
9.59
